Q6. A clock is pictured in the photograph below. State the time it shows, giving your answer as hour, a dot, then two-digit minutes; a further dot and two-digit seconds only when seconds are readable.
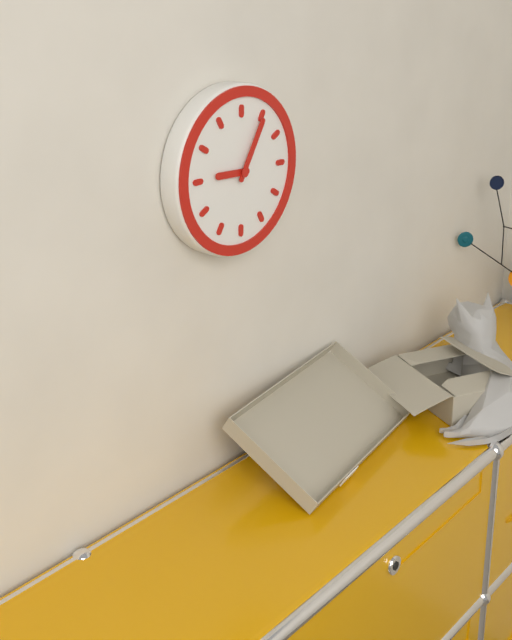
9.05
